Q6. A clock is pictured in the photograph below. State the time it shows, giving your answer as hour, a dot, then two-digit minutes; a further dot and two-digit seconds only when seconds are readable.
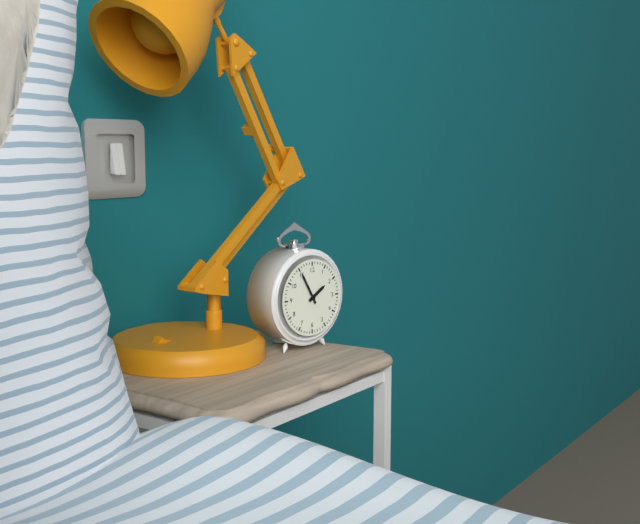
1.55
